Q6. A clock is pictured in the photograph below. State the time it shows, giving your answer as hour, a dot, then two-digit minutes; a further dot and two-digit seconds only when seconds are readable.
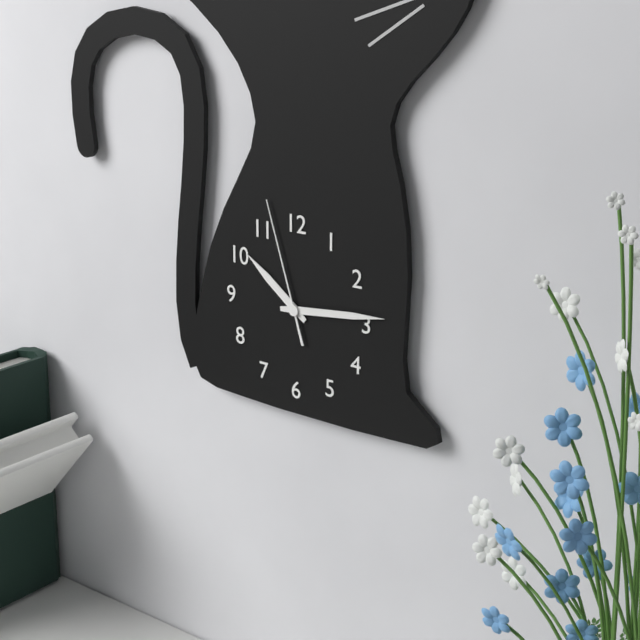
10.14.57
